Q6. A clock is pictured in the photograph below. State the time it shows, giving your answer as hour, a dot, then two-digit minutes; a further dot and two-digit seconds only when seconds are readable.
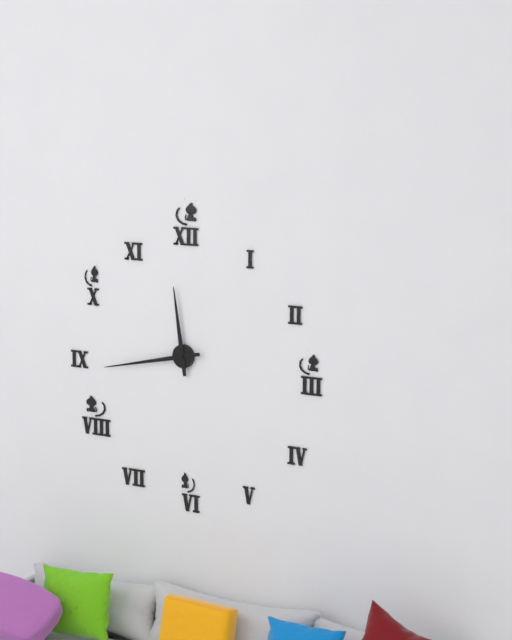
11.43
